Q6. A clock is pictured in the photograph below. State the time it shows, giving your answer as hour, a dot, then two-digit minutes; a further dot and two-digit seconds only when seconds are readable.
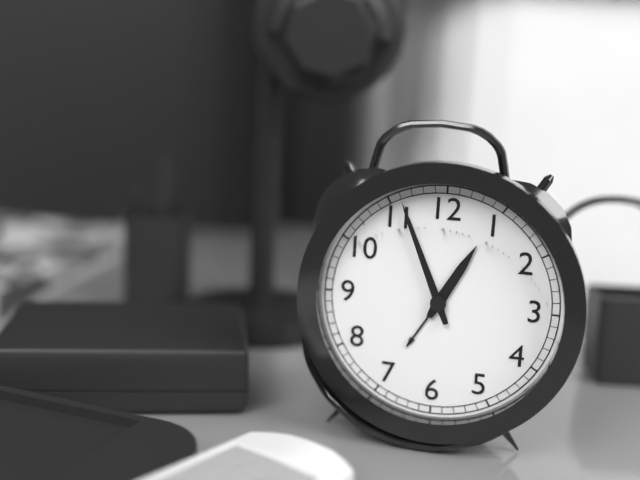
12.56
